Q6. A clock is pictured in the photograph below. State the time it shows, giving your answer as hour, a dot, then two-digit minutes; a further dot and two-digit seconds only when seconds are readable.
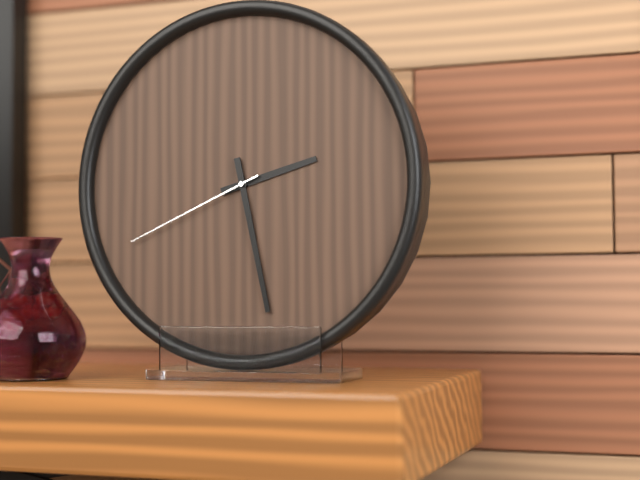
2.28.41
